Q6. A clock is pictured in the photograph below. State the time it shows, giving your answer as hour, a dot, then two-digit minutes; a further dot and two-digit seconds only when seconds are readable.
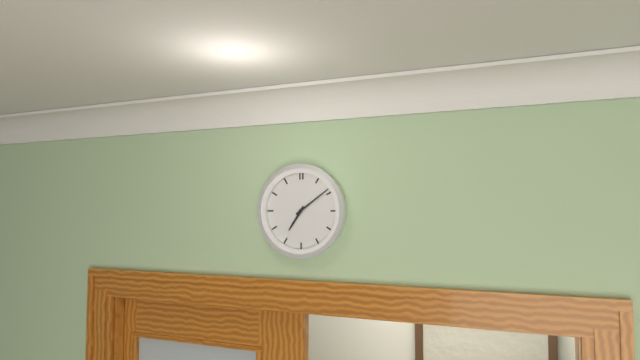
7.09
